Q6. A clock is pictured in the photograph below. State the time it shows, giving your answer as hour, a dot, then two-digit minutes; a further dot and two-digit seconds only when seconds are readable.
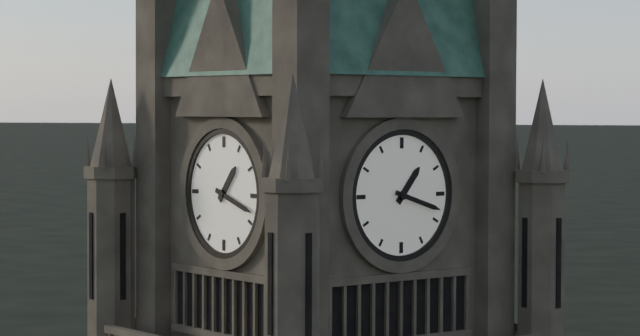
1.18
